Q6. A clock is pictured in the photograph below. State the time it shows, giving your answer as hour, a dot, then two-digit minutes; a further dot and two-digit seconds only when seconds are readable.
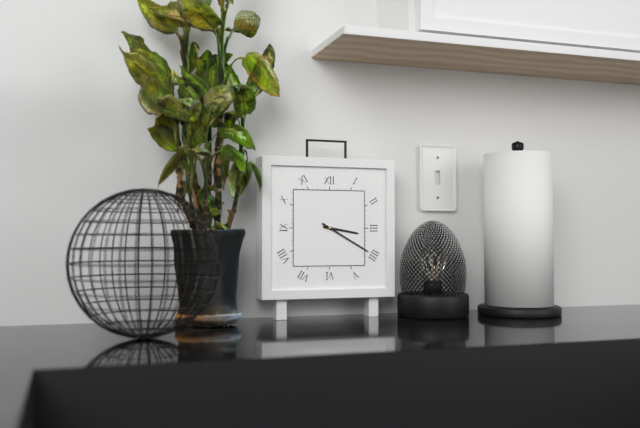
3.20
